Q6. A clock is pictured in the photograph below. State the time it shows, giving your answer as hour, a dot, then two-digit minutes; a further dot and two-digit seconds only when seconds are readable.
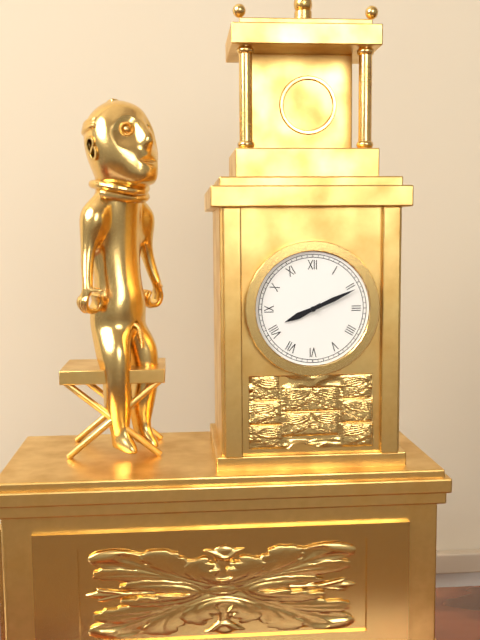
8.11
